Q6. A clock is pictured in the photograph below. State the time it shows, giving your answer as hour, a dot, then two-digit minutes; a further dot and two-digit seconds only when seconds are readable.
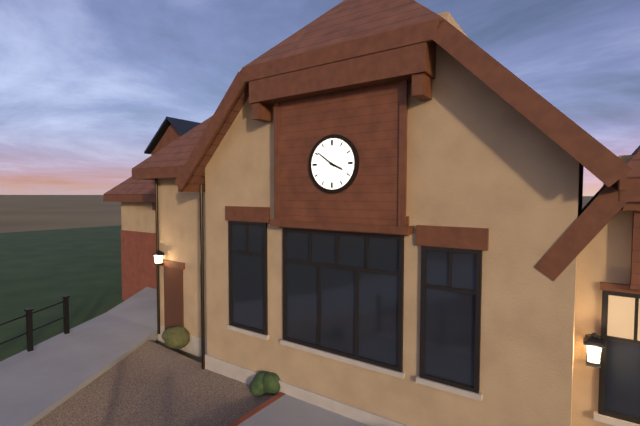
3.51
